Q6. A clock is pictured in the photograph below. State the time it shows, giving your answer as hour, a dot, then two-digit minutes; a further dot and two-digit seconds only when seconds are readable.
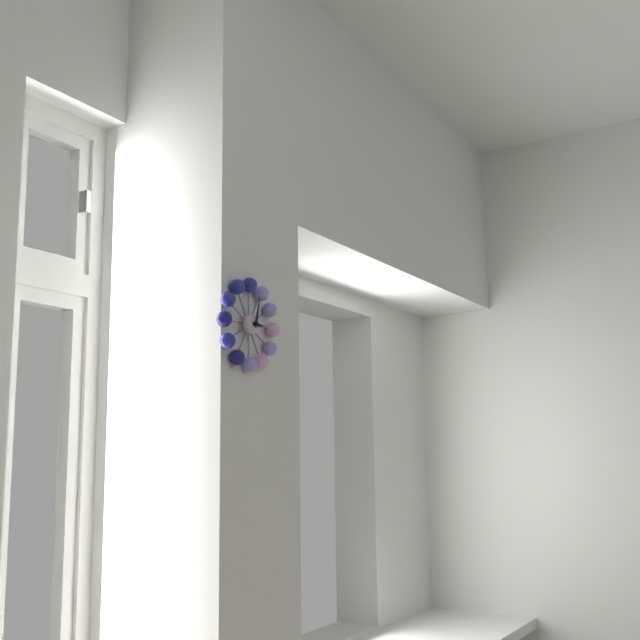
3.02
